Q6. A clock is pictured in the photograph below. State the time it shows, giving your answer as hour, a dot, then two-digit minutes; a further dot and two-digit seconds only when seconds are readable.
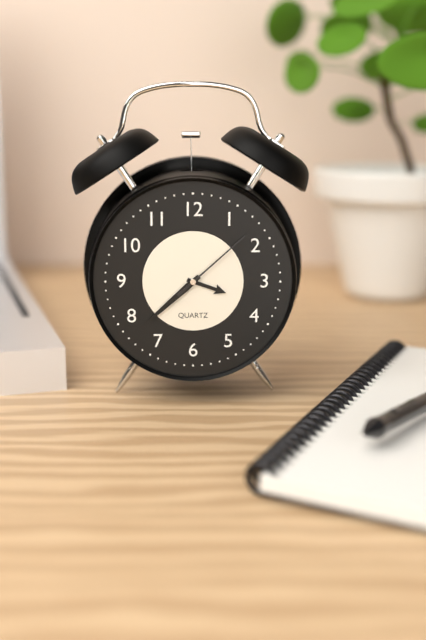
3.38.08
